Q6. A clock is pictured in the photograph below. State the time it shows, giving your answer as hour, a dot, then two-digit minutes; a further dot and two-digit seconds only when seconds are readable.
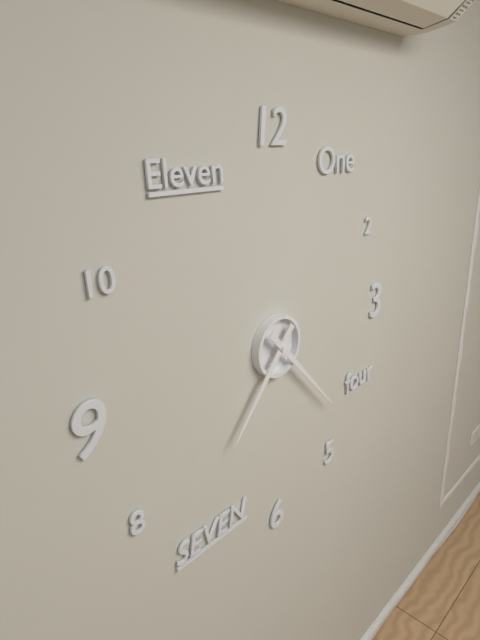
7.23
